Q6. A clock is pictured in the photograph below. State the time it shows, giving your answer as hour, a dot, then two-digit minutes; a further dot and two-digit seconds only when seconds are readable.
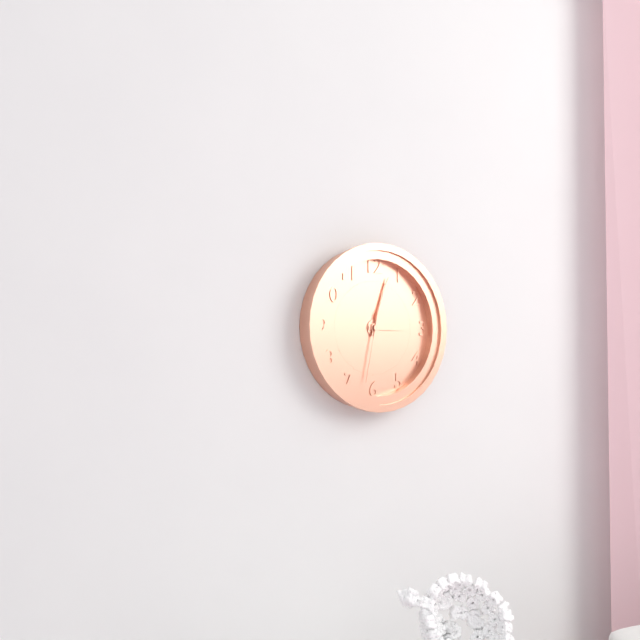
3.03.32
